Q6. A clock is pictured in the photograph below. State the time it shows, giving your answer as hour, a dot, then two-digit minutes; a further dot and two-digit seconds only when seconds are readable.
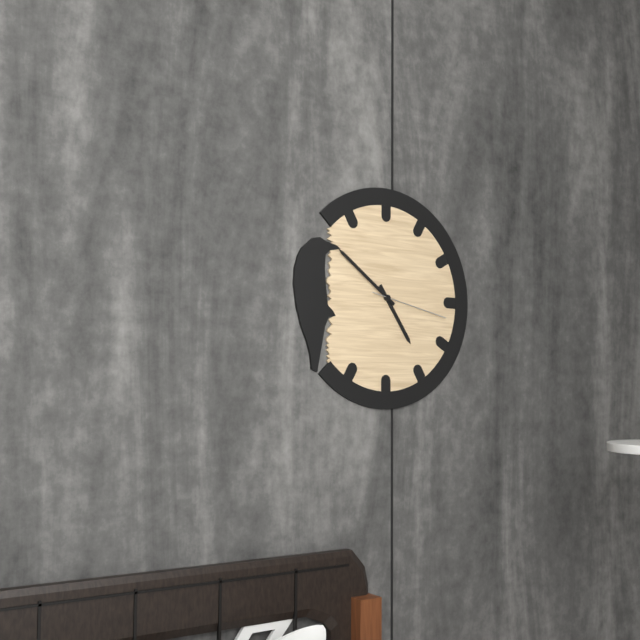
4.51.17
